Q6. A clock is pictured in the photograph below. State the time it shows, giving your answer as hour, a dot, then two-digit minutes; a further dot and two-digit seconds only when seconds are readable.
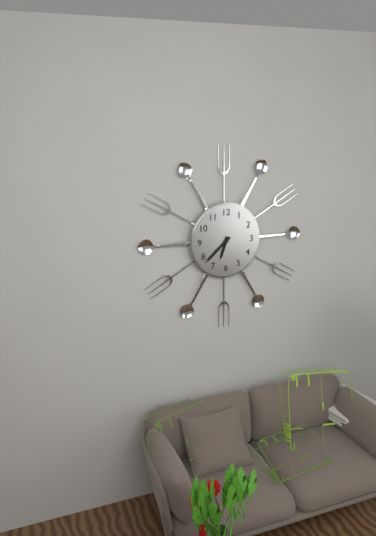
6.38
